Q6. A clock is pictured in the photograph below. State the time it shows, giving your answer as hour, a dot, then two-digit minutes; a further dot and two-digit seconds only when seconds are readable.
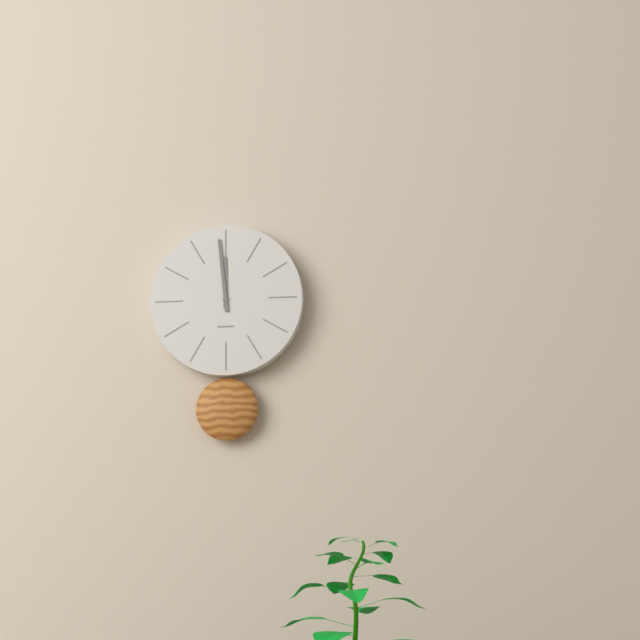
11.59
